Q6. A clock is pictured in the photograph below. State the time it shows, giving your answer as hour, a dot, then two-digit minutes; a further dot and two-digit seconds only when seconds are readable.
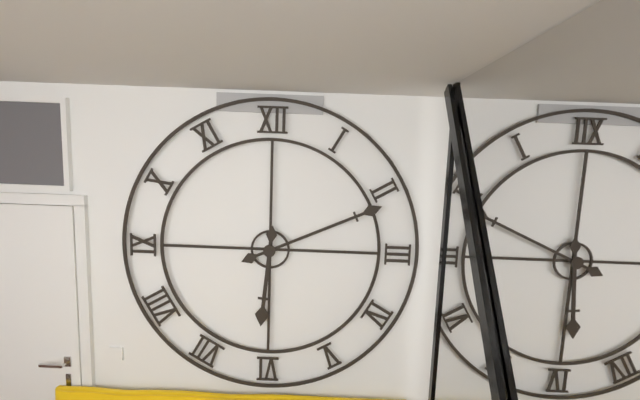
6.11
